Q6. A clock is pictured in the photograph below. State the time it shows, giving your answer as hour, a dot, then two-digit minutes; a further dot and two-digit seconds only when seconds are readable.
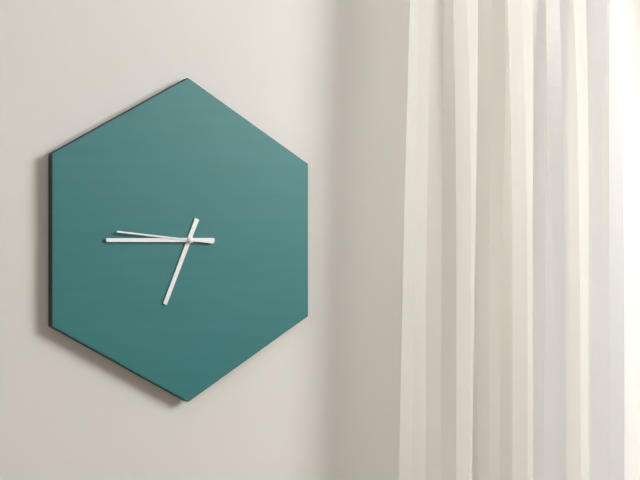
6.45.46
